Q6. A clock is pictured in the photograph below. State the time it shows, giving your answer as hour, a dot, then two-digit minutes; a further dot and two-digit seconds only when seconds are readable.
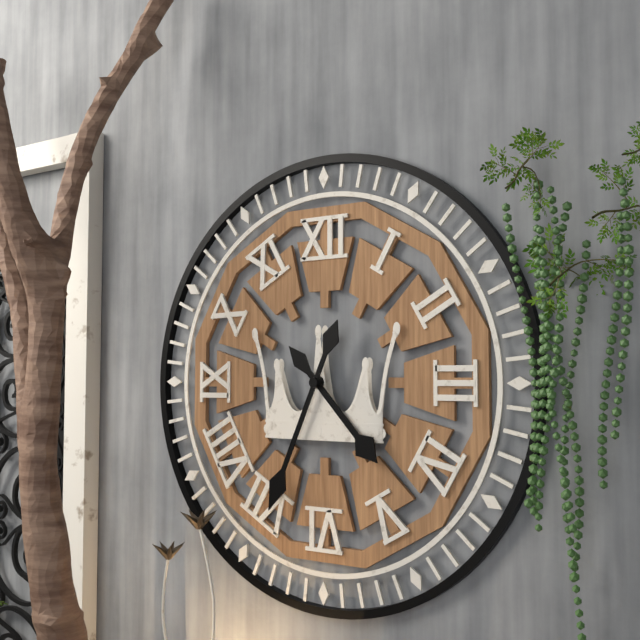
4.34
